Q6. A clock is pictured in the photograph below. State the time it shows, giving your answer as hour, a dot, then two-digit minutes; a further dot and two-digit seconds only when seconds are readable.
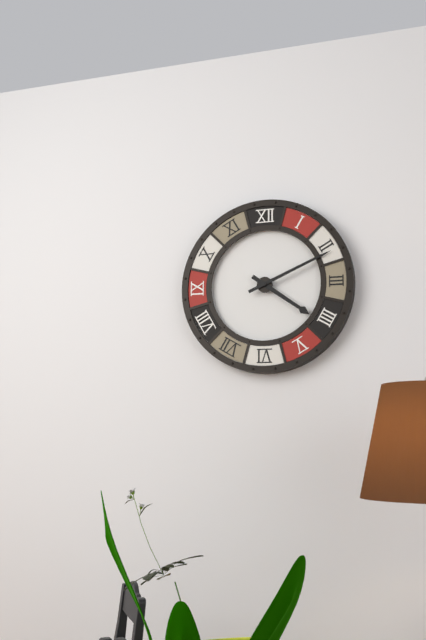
4.11
